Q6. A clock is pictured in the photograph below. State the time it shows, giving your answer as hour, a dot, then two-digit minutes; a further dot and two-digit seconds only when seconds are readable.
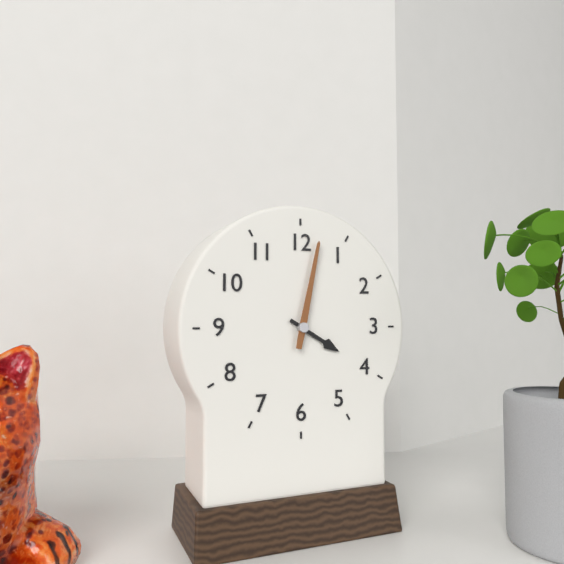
4.02
